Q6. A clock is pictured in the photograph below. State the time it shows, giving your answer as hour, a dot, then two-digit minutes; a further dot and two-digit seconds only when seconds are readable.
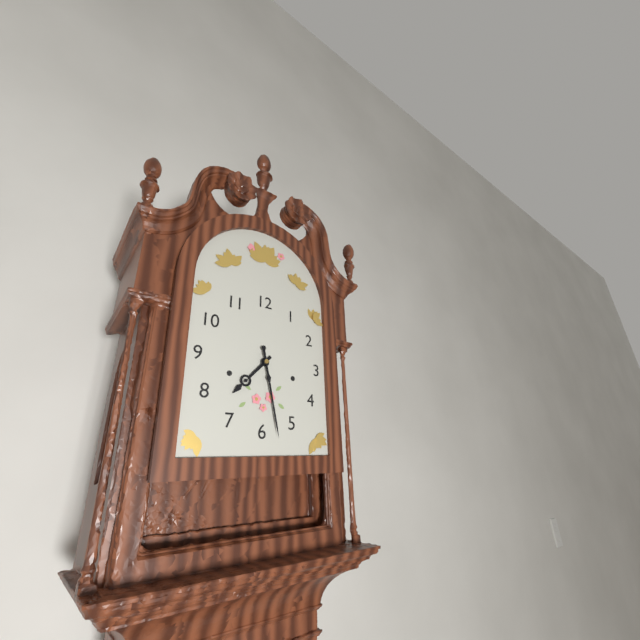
7.28
